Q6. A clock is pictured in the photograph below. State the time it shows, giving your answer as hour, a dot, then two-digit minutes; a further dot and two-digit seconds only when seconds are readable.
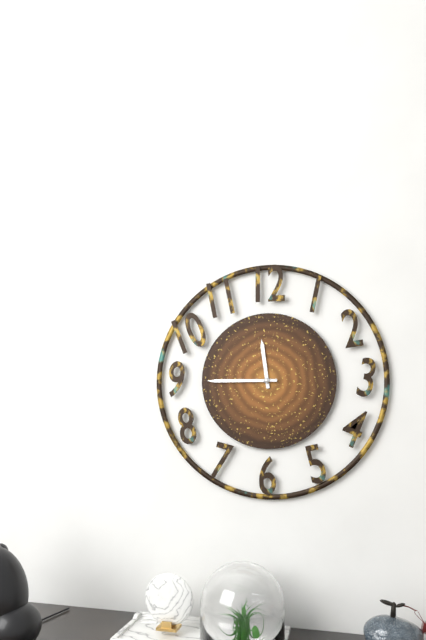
11.45
